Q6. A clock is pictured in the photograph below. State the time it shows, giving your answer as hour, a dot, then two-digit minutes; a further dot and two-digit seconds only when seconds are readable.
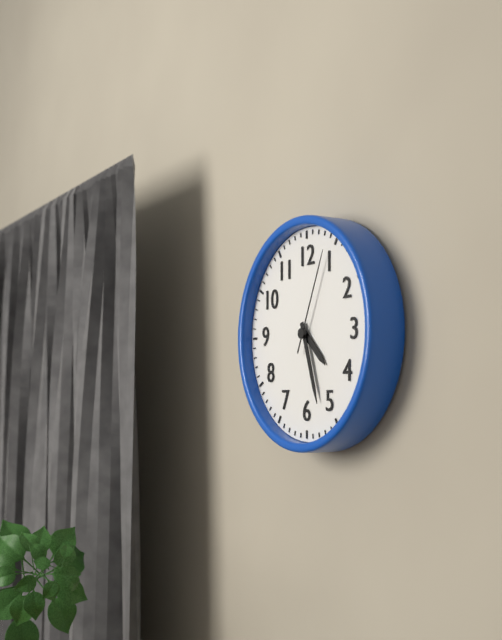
4.27.04
